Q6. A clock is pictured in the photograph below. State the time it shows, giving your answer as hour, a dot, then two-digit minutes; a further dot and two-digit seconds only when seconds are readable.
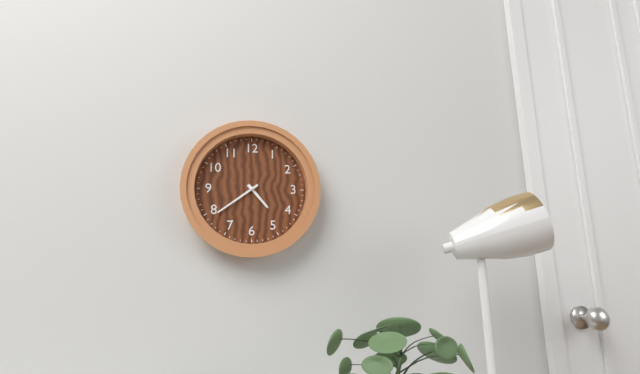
4.39
